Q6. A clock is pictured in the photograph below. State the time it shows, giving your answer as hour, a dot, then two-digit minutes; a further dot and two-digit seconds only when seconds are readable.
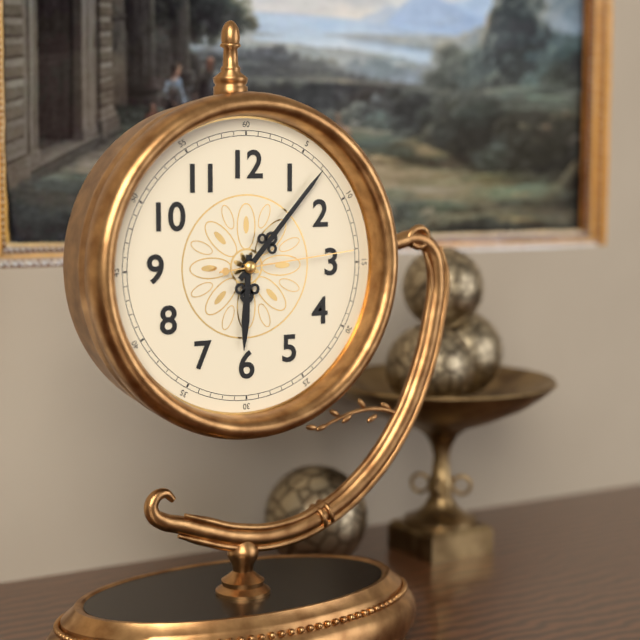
6.07.14
